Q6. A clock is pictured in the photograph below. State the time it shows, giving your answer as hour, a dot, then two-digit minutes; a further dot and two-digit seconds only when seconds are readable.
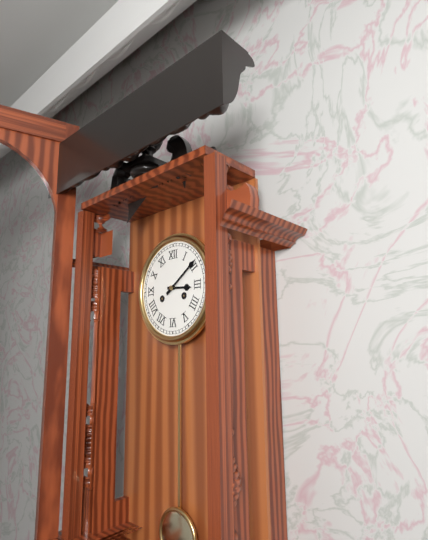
3.09
